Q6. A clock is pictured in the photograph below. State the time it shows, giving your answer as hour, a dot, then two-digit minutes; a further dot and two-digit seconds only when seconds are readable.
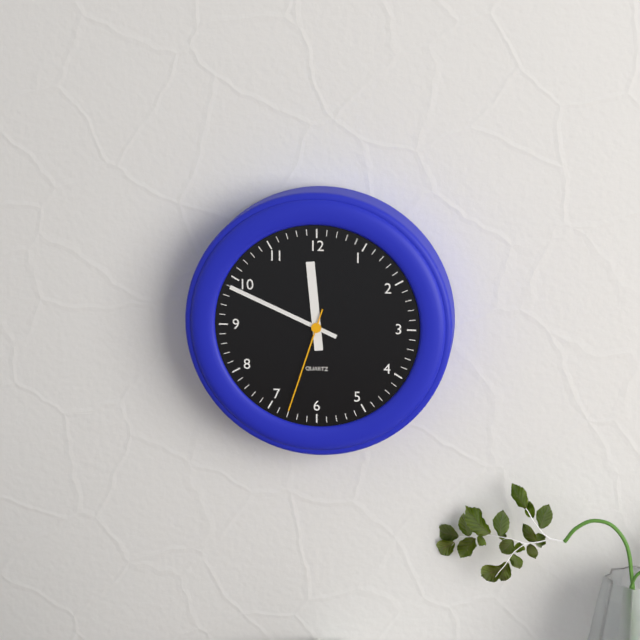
11.49.33
